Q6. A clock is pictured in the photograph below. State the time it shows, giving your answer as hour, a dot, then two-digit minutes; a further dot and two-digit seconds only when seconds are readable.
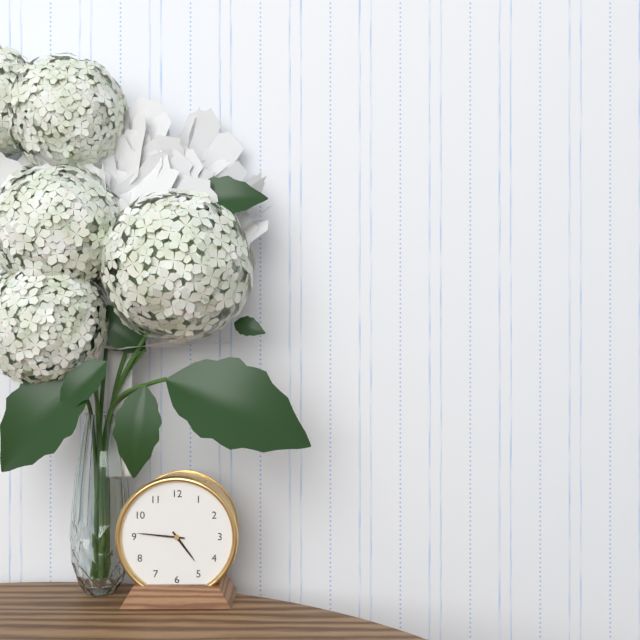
4.46
